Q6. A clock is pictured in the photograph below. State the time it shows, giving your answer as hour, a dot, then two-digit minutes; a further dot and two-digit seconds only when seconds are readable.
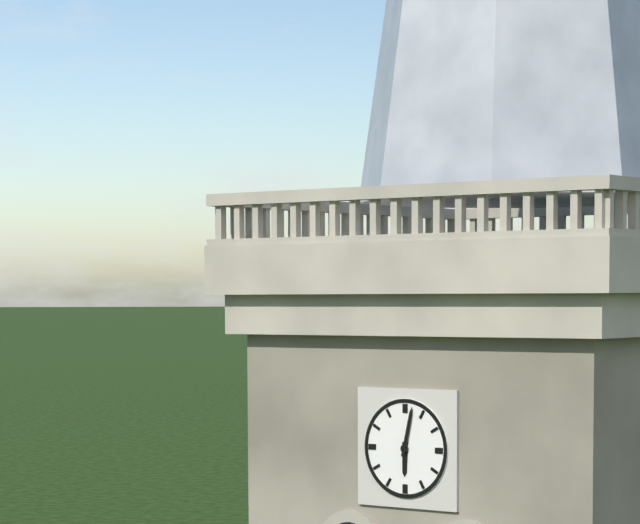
6.02
